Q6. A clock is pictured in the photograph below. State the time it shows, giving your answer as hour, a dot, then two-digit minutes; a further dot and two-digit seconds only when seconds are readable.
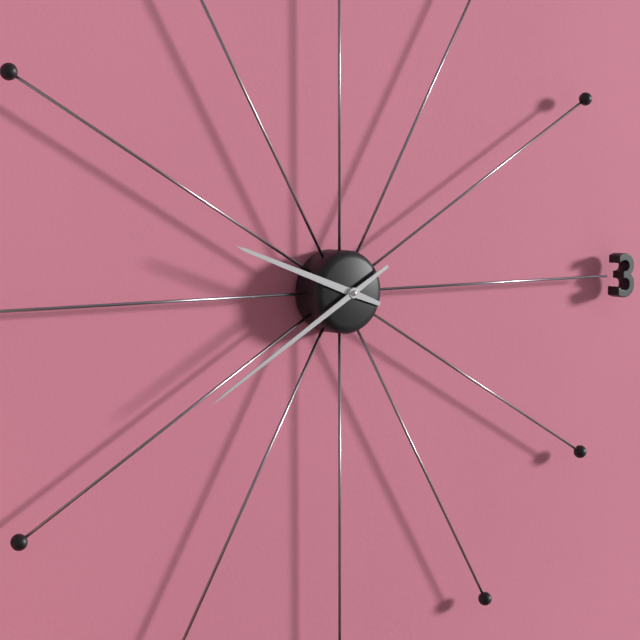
9.40
